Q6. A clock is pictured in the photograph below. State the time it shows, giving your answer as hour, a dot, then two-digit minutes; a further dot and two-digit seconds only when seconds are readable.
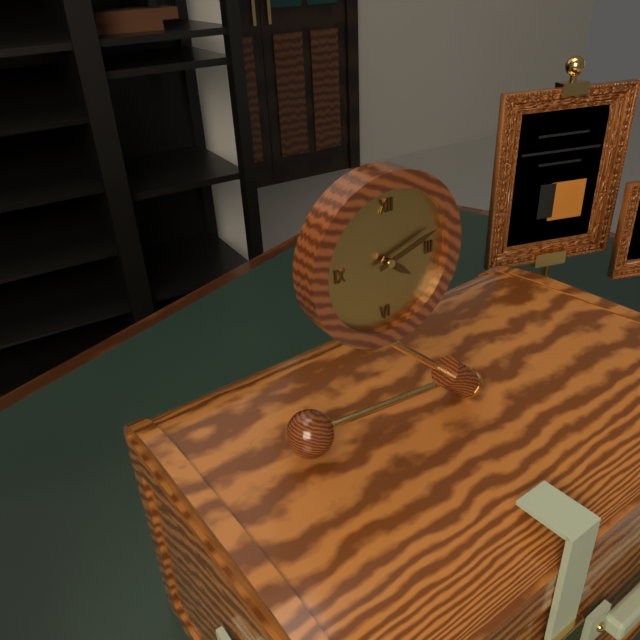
4.12
